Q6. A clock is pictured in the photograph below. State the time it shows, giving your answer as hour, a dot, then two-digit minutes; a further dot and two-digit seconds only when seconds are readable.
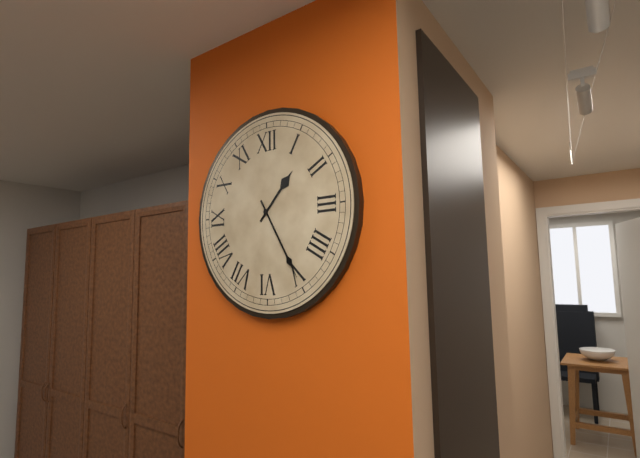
1.25
